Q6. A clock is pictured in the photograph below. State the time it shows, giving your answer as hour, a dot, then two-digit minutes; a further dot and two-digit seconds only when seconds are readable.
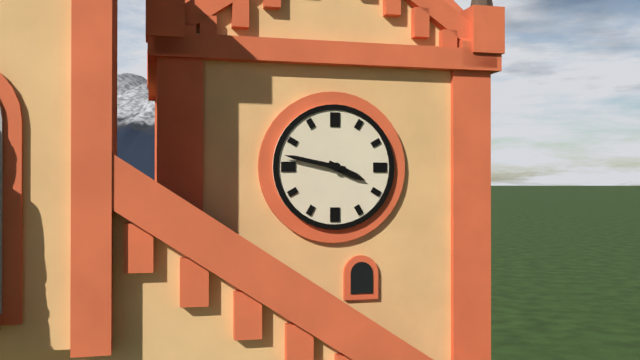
3.47
